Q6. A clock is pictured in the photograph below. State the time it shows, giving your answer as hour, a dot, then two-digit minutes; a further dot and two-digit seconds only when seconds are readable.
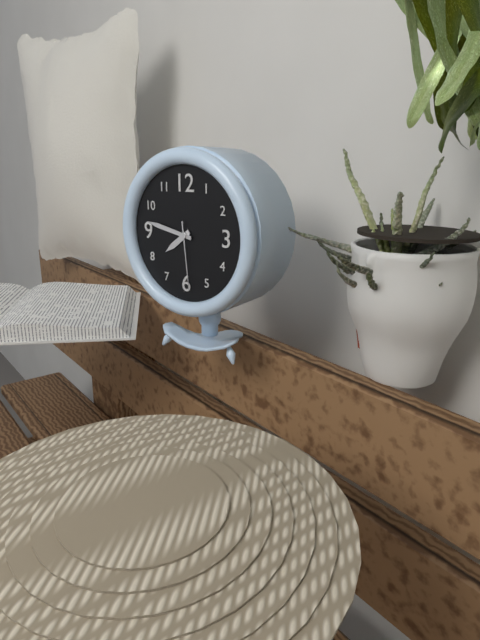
7.47.29
